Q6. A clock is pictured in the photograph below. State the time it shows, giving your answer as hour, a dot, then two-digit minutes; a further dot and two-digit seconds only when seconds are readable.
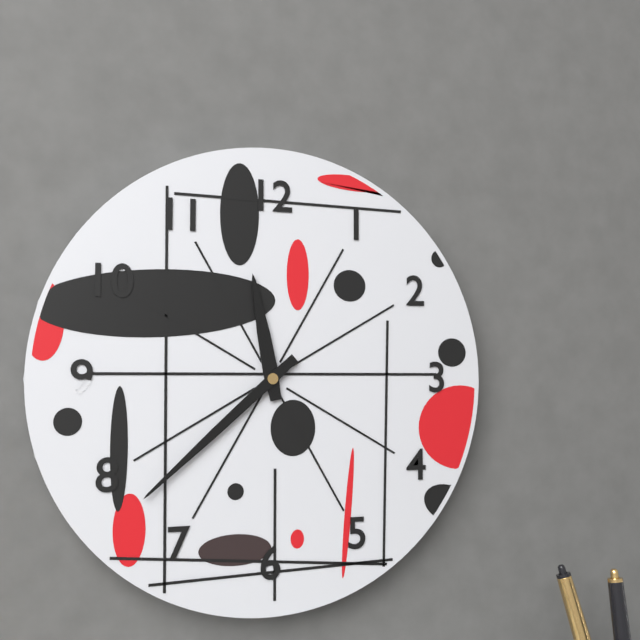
11.38
